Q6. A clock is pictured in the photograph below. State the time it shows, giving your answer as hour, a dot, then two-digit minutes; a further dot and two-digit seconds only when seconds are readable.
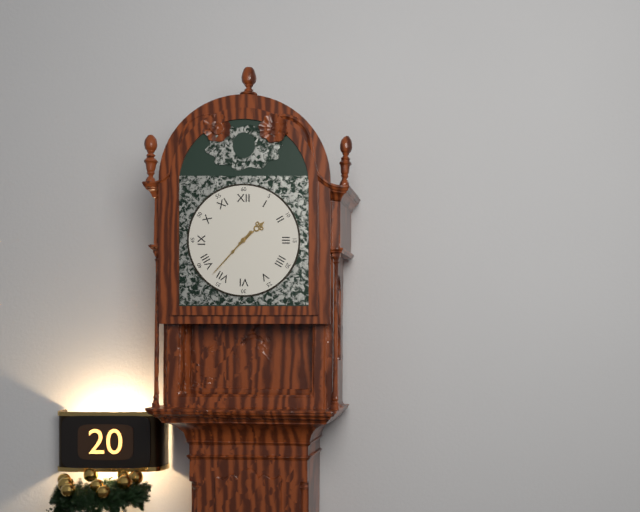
1.37
